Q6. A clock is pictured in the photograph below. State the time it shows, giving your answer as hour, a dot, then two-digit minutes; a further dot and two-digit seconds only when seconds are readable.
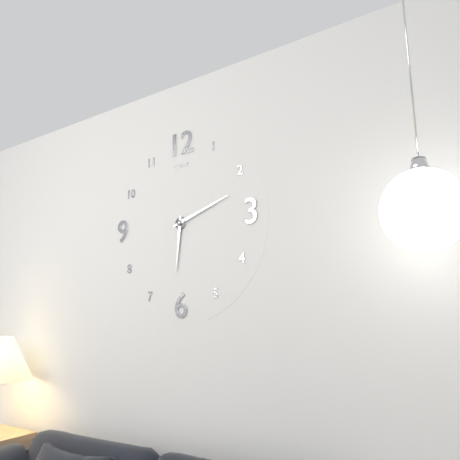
6.12
